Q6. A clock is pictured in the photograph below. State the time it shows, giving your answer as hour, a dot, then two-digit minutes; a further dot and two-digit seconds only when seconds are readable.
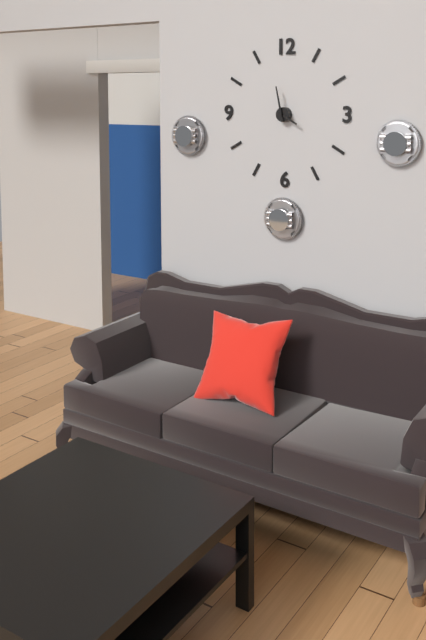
3.58
